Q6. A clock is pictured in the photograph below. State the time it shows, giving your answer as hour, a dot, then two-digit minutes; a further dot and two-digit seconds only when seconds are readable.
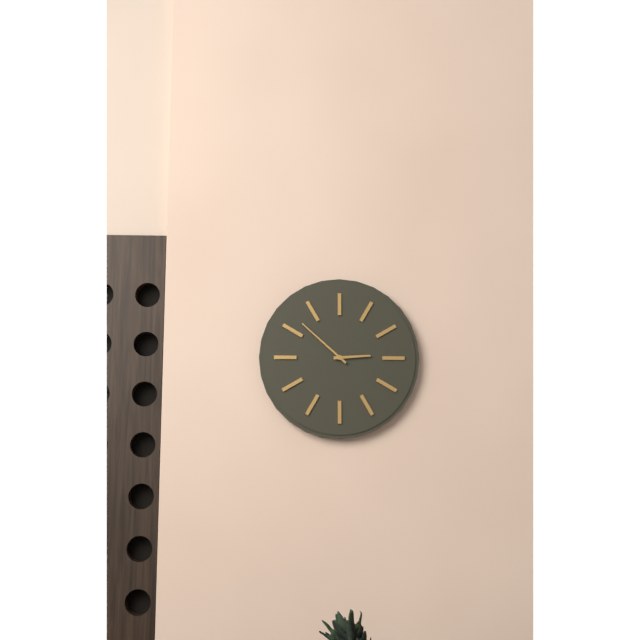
2.52
